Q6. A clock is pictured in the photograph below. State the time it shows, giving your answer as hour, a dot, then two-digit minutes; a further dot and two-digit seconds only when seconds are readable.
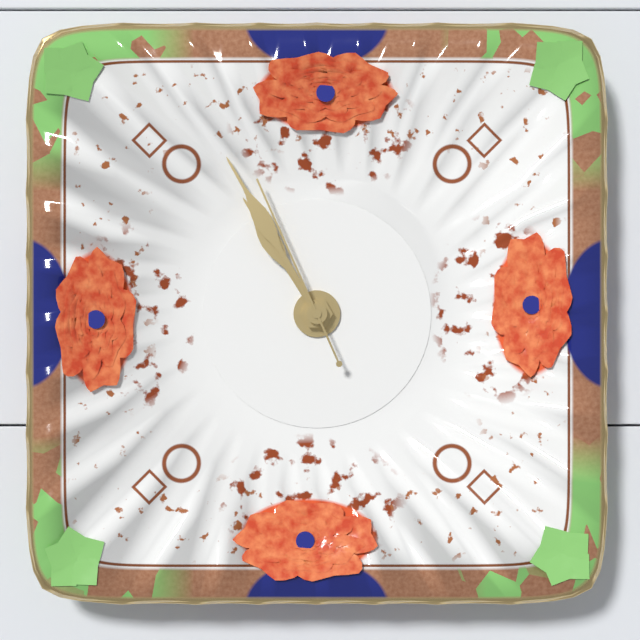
10.55.56
